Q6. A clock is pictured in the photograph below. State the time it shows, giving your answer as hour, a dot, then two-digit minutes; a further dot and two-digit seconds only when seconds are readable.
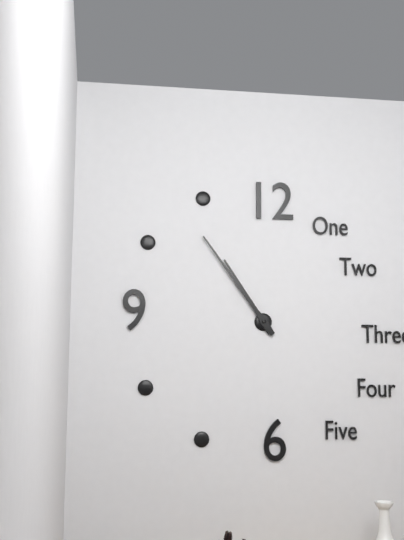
10.54
